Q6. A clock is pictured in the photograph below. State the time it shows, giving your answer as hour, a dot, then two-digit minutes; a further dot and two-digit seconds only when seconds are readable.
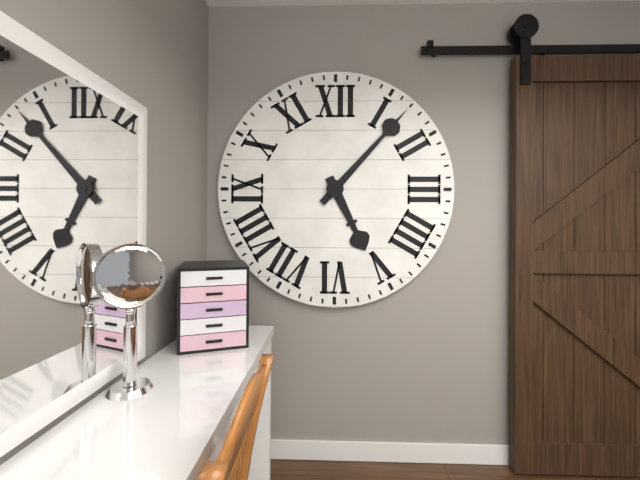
5.07
